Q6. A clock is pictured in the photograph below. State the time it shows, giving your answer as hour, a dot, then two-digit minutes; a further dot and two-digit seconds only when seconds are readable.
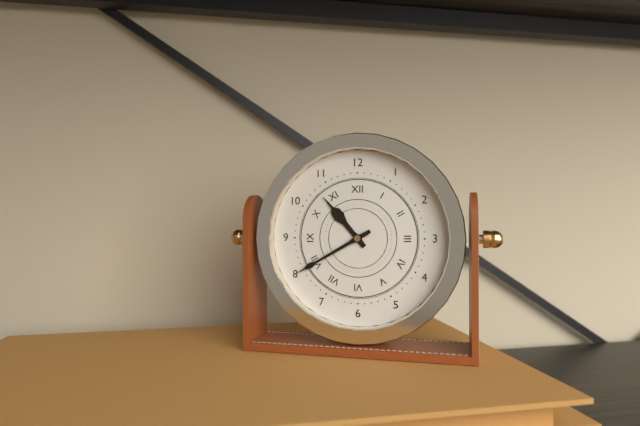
10.40
